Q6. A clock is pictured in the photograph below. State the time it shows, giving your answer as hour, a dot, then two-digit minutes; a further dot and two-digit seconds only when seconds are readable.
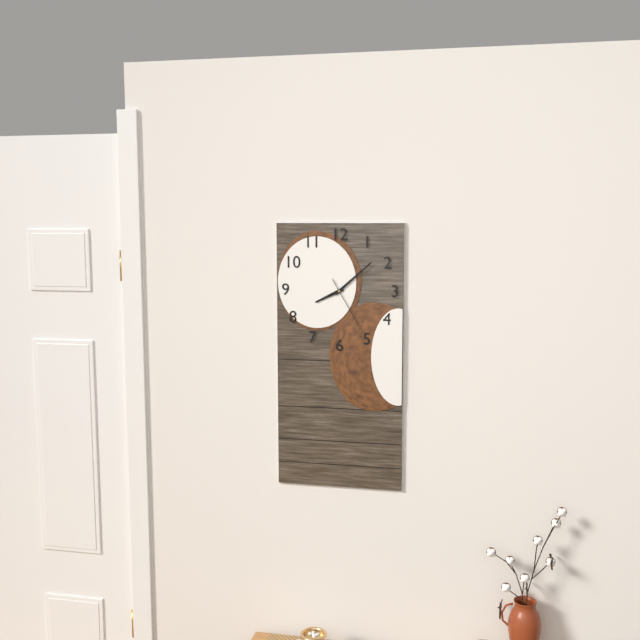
8.08.25
